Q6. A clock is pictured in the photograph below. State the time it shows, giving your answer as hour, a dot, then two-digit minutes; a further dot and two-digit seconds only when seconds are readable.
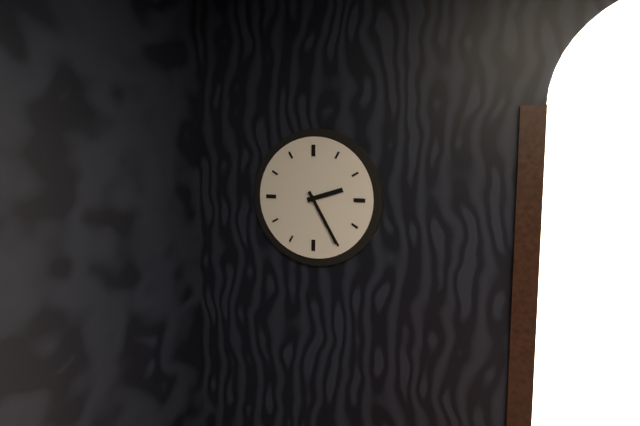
2.25
